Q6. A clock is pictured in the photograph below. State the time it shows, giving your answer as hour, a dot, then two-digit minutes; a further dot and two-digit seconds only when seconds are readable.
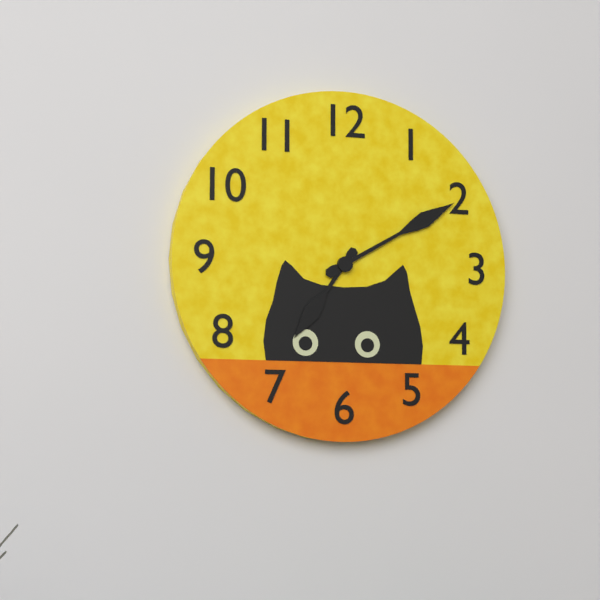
7.10
